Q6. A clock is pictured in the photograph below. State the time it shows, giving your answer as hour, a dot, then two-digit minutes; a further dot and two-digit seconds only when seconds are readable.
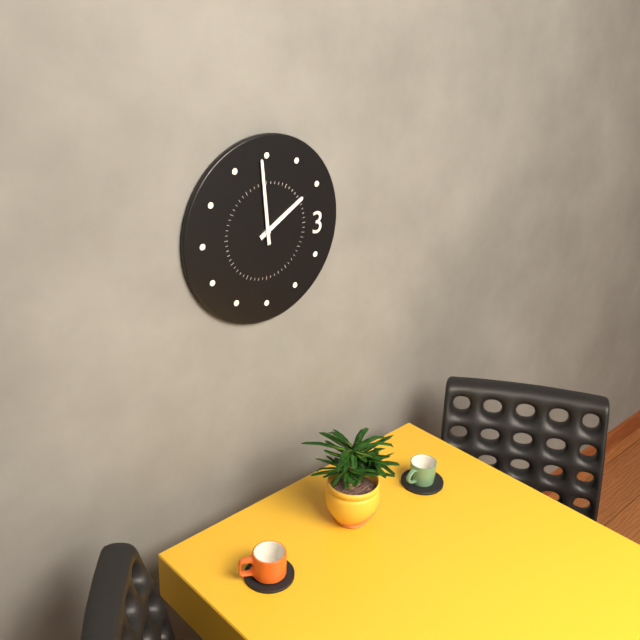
1.59
